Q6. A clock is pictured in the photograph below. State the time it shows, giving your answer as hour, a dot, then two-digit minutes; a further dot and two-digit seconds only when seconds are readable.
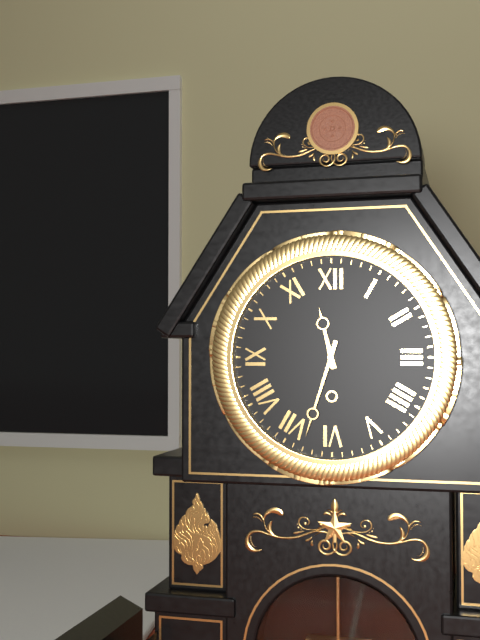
11.33
